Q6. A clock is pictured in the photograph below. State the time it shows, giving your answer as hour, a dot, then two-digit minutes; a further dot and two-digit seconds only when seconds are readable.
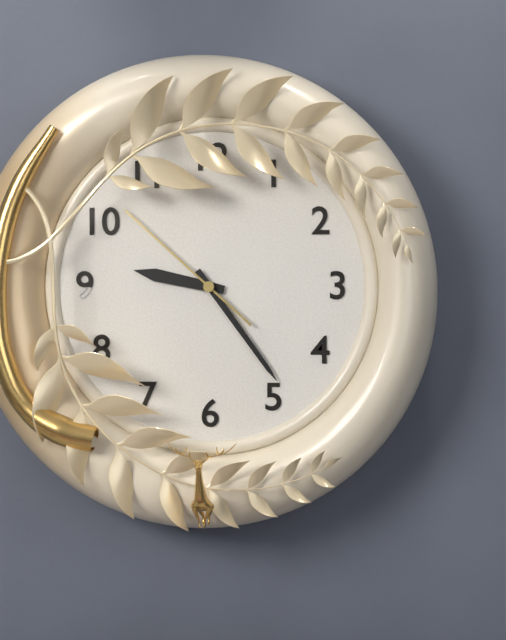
9.24.52
